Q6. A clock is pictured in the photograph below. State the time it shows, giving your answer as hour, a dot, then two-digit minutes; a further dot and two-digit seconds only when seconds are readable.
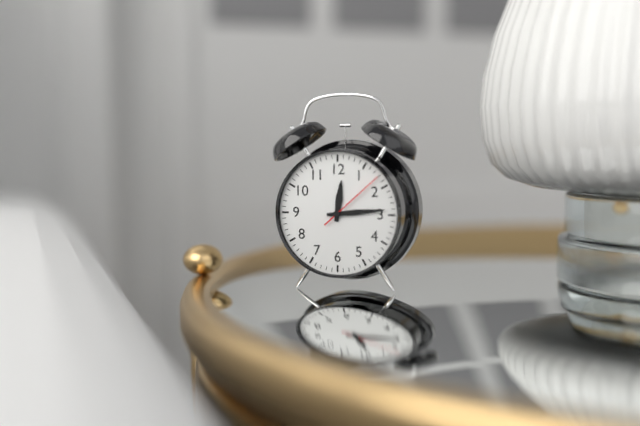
12.14.08
